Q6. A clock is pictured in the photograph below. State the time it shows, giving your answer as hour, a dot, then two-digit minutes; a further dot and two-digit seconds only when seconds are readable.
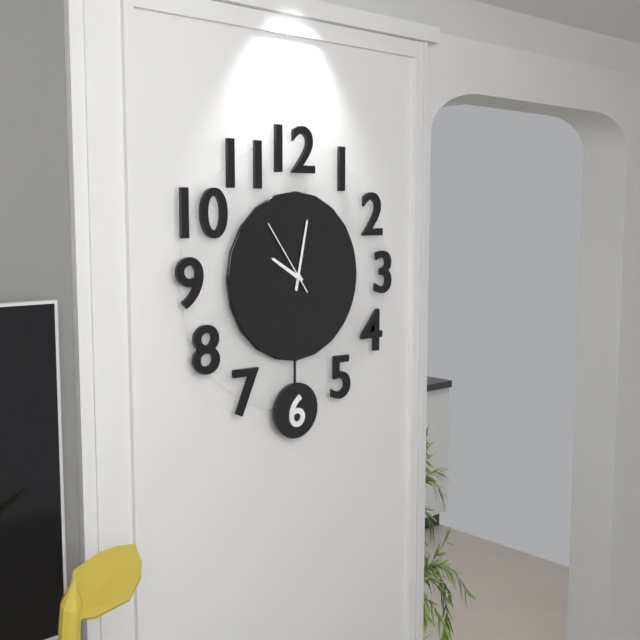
10.02.54
